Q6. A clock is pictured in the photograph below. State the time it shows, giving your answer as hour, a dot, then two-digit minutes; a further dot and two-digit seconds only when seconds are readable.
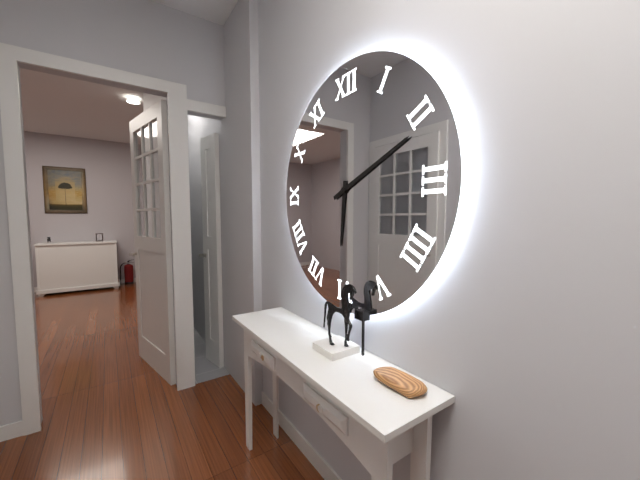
6.11
